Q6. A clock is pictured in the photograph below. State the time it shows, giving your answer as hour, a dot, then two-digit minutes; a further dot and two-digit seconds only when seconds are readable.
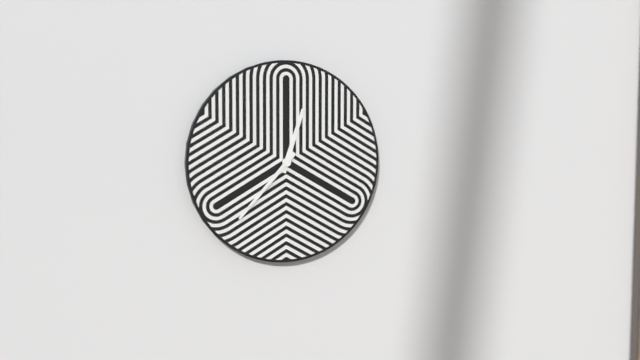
12.37
